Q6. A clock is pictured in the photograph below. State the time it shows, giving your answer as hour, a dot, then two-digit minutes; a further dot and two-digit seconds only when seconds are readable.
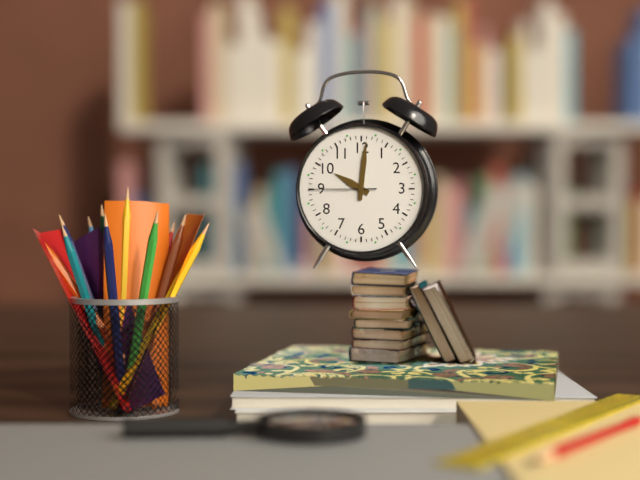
10.01.45
